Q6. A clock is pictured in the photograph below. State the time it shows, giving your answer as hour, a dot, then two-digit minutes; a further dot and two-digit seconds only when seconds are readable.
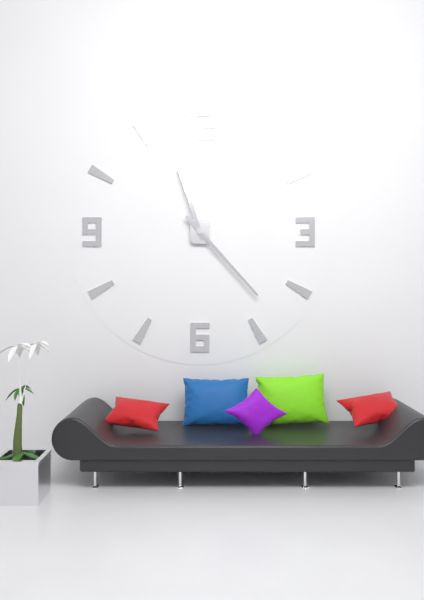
11.23
